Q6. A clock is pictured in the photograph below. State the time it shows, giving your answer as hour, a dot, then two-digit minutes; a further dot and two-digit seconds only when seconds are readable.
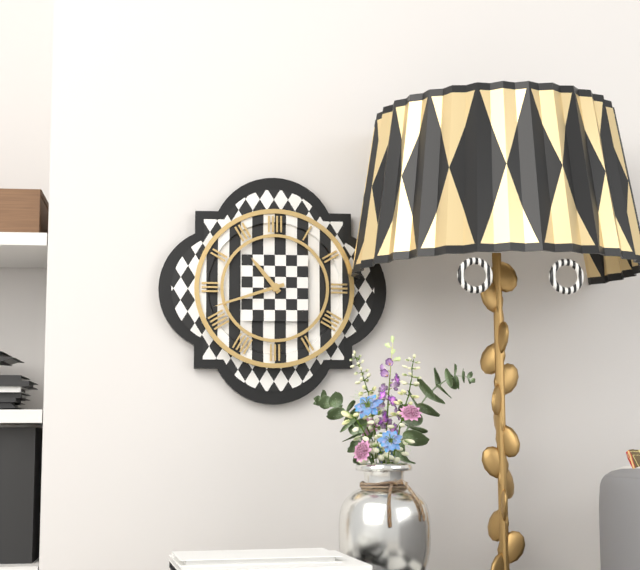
10.42
